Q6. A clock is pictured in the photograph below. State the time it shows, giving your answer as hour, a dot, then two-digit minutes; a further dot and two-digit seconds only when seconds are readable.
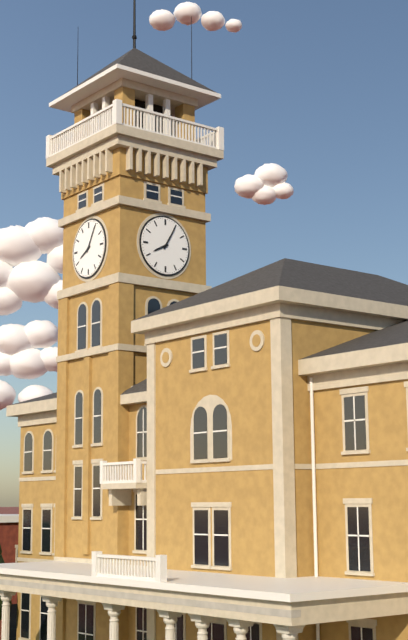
8.05
